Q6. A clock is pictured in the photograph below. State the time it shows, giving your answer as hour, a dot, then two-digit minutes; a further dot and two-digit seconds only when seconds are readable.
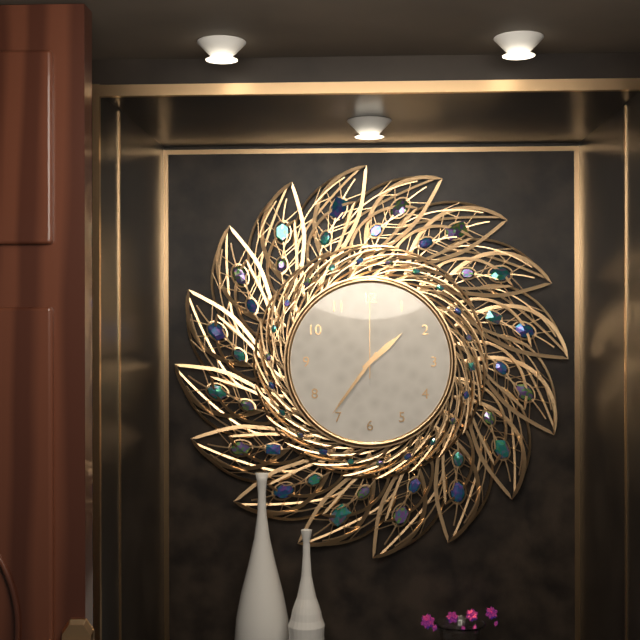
1.36.00
